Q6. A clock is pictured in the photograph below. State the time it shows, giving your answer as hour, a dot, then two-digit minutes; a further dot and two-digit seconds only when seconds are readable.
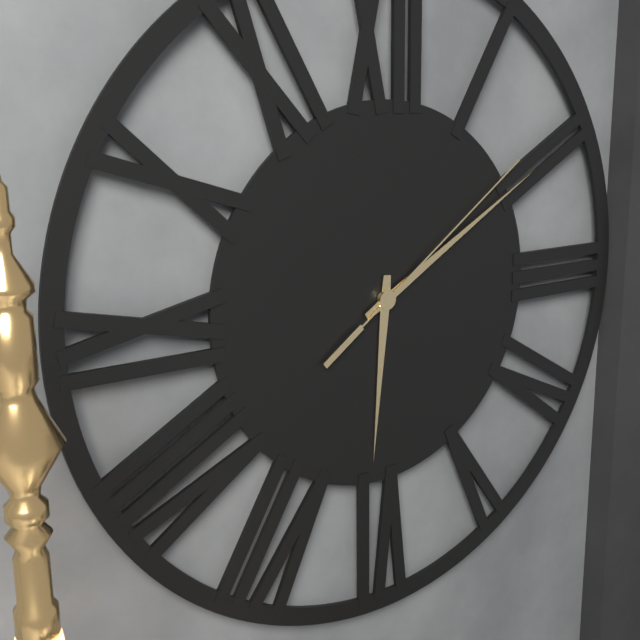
6.10.09
